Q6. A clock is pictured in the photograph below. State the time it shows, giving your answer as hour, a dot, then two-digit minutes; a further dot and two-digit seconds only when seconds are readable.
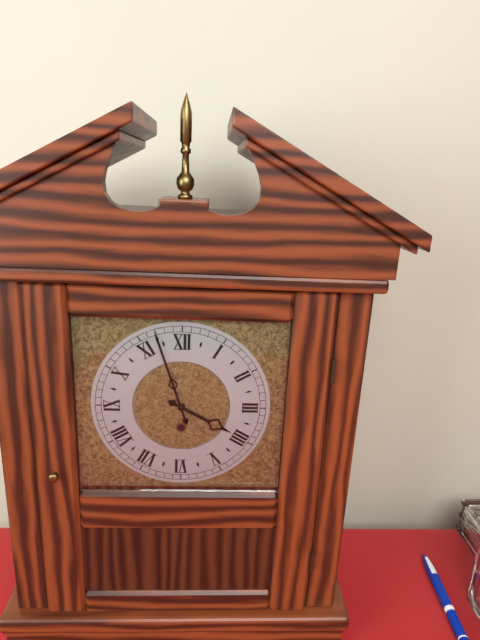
3.57
